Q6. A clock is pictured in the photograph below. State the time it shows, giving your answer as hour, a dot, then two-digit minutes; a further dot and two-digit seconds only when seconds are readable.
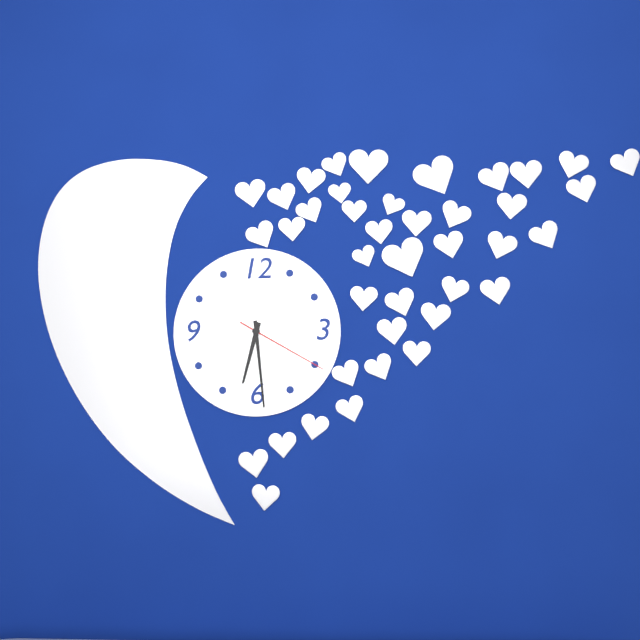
6.29.20
